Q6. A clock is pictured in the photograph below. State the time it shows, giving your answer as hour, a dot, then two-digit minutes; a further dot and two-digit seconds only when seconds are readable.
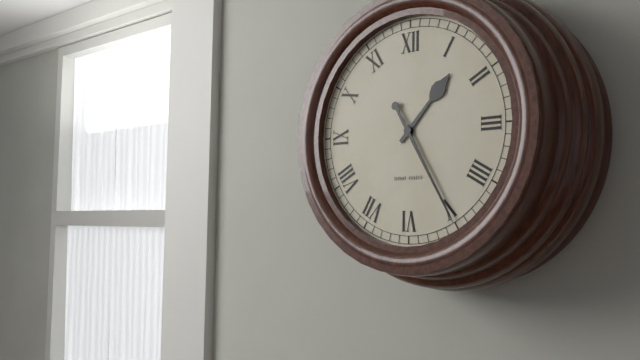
1.25
